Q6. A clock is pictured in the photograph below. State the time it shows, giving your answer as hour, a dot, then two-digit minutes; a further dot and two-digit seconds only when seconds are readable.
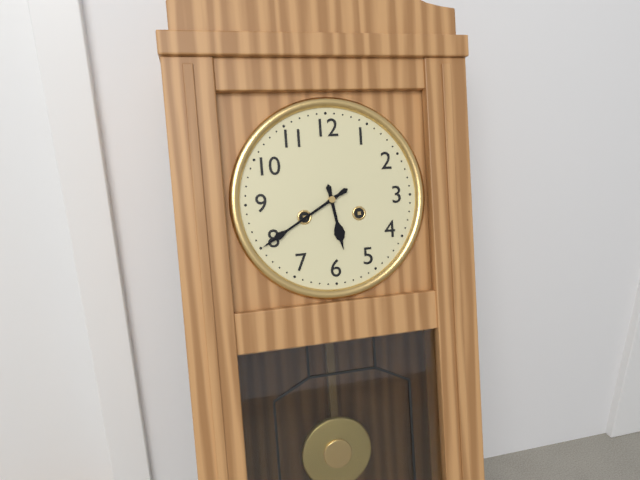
5.40
